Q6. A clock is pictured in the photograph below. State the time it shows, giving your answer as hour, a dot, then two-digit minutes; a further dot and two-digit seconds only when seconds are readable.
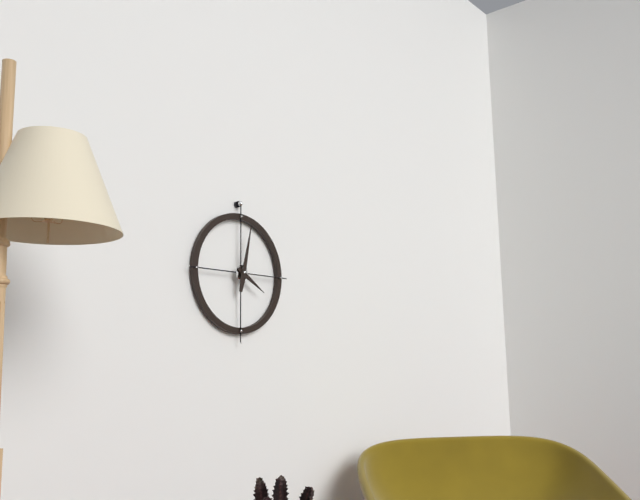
4.02
